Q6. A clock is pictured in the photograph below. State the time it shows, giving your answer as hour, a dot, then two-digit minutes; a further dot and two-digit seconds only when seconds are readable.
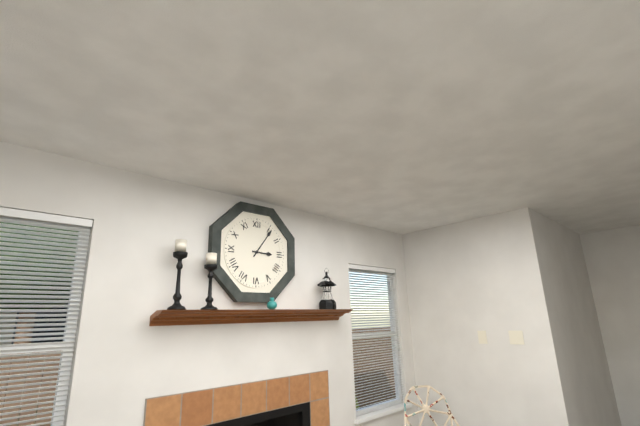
3.06
